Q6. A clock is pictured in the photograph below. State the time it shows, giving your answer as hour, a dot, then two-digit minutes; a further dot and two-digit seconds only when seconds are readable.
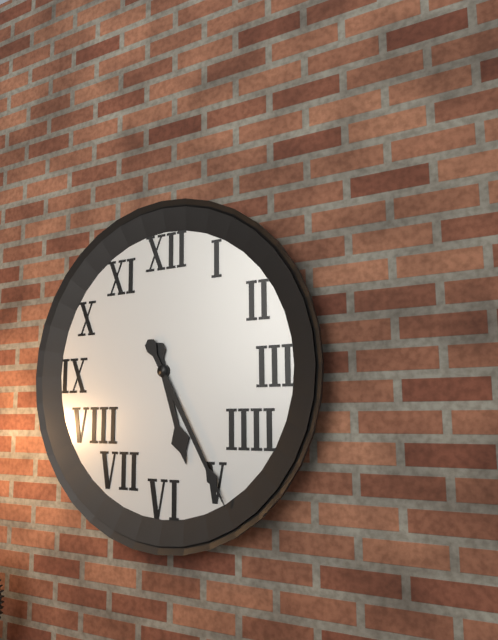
5.25
